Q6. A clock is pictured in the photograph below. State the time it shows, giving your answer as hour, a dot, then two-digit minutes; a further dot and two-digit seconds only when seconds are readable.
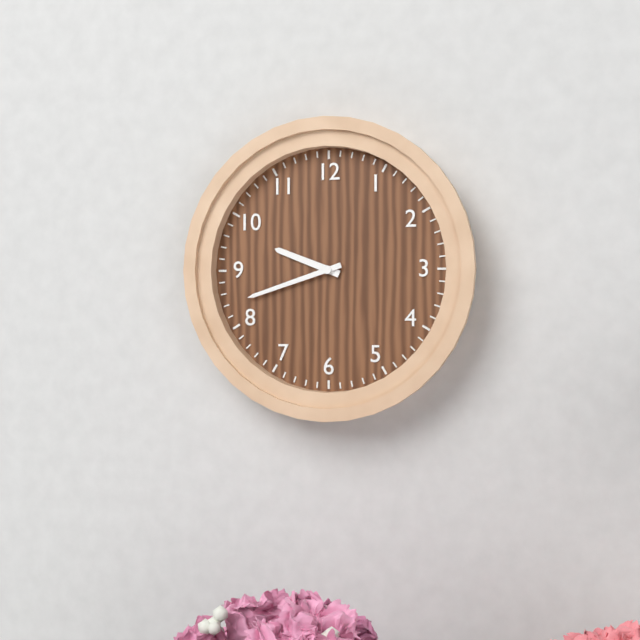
9.42
